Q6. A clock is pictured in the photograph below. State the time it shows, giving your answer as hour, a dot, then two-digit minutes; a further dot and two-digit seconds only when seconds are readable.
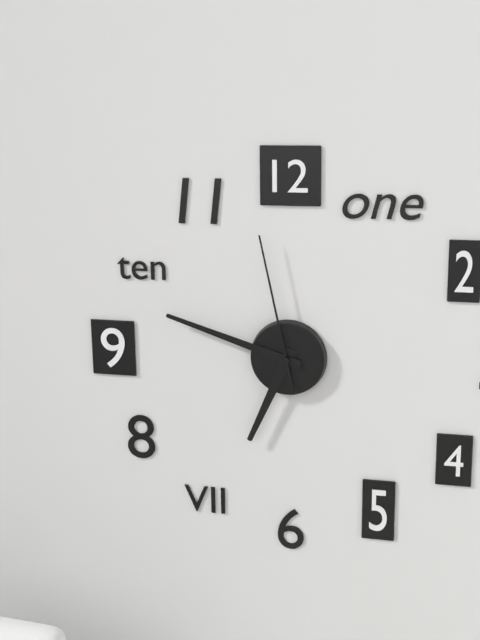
6.48.58
